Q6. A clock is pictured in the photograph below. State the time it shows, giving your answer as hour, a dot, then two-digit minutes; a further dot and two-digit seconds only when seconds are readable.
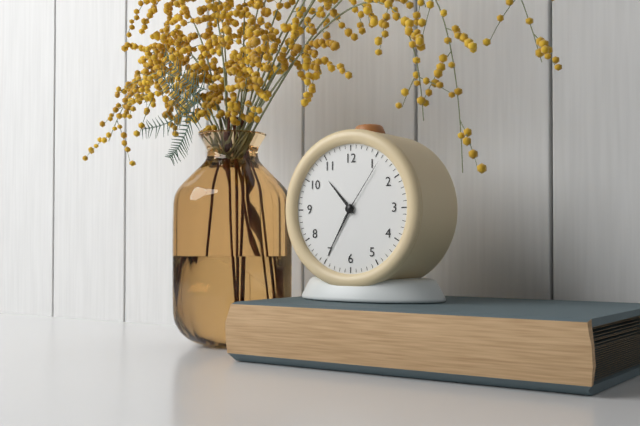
10.35.06
